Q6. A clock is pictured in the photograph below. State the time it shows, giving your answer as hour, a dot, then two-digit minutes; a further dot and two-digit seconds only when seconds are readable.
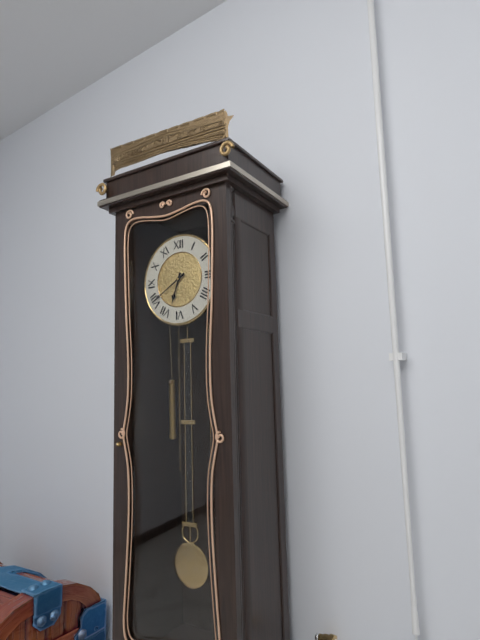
6.40
